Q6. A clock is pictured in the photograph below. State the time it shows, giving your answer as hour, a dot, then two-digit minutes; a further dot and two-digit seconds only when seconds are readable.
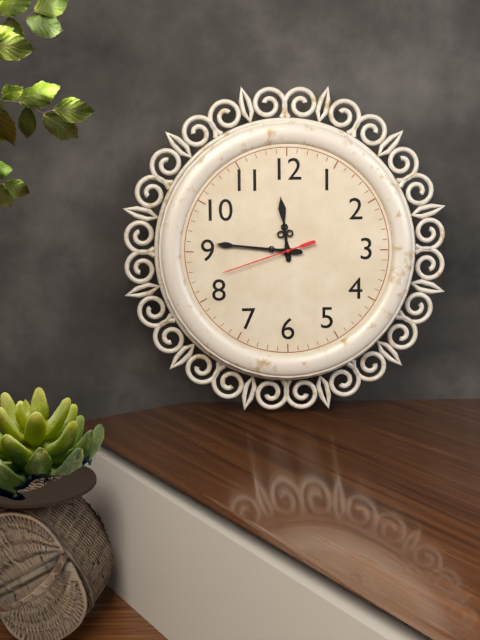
11.46.42
